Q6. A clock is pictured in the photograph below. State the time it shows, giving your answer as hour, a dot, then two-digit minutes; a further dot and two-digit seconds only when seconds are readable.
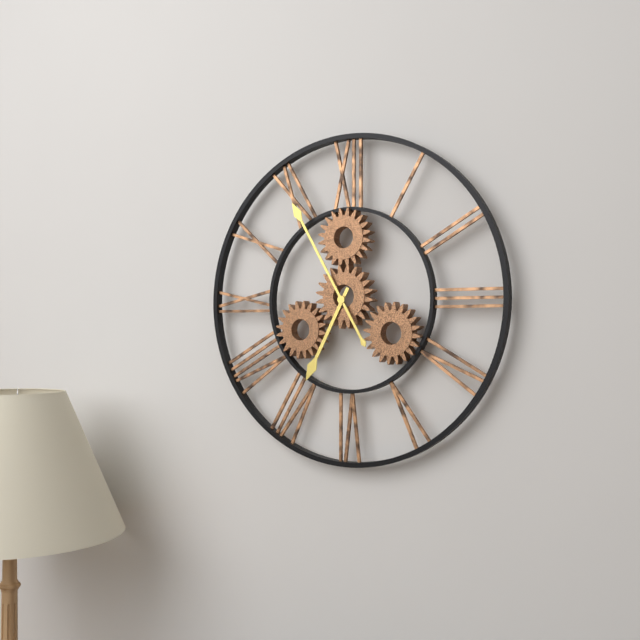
6.55
